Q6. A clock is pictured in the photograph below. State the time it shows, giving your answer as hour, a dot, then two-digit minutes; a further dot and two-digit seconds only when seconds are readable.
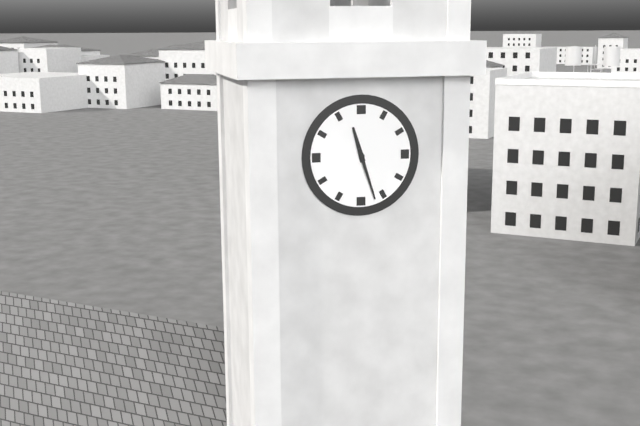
11.27
